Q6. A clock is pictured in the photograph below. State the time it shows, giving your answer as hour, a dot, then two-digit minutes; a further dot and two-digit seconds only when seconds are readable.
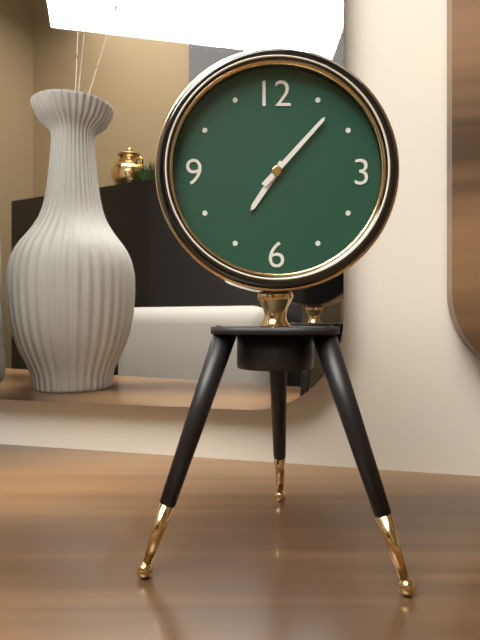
7.07
